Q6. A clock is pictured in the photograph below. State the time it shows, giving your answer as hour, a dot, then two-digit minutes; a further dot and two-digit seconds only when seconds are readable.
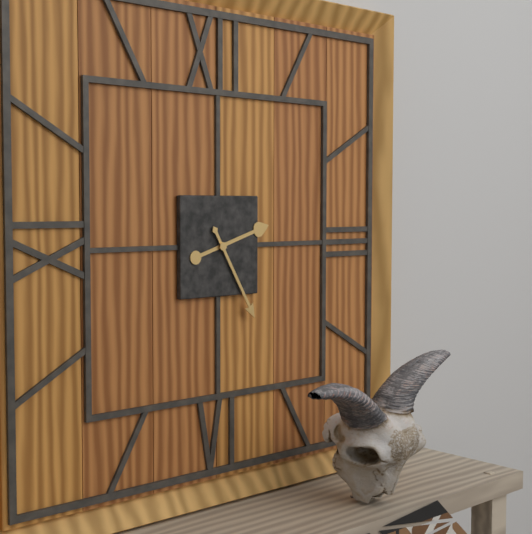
2.25
